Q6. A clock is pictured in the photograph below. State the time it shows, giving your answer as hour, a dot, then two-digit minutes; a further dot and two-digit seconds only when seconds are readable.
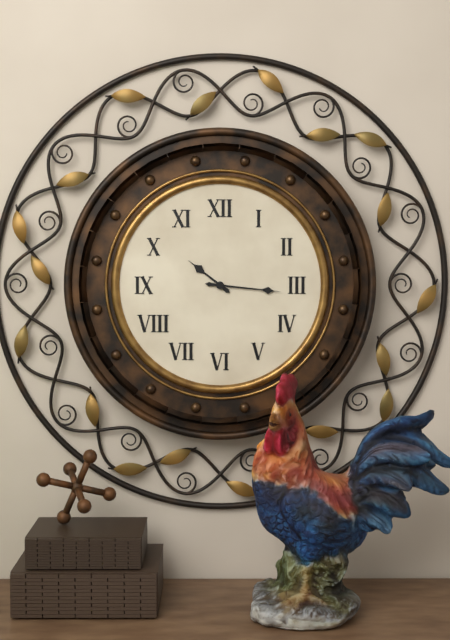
10.16
